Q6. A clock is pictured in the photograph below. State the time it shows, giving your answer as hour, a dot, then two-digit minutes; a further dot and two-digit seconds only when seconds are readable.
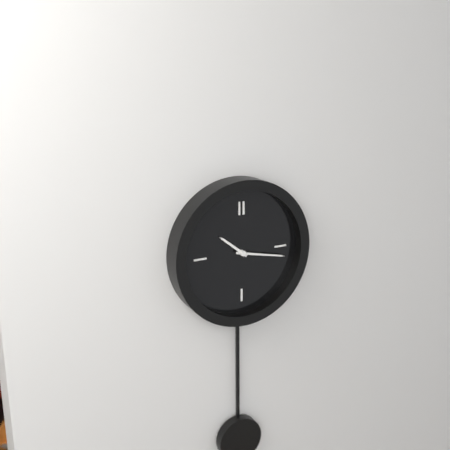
10.17
